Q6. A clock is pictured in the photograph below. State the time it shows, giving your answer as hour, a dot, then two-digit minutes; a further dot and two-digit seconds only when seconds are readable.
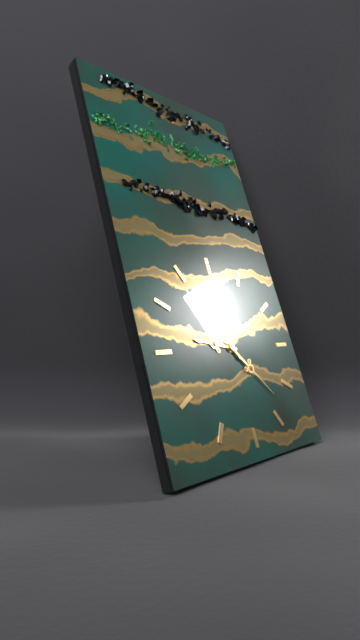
9.23.54
